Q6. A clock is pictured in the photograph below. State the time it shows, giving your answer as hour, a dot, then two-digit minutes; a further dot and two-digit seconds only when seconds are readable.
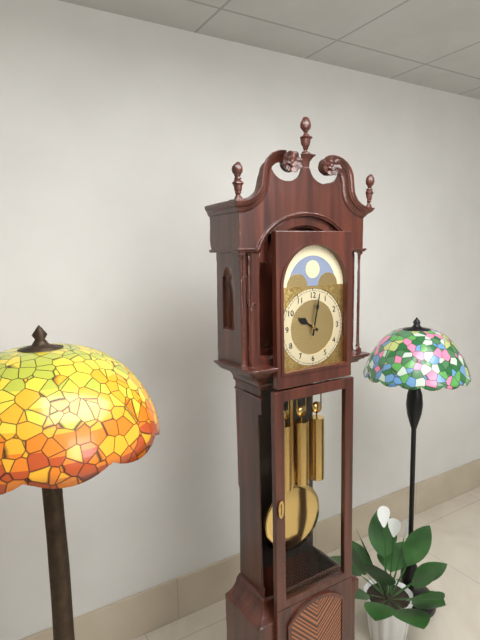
10.02
